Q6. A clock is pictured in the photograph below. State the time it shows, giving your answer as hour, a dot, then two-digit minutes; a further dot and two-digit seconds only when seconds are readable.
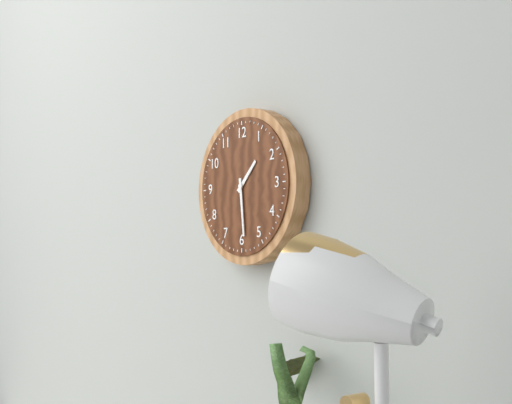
1.29
